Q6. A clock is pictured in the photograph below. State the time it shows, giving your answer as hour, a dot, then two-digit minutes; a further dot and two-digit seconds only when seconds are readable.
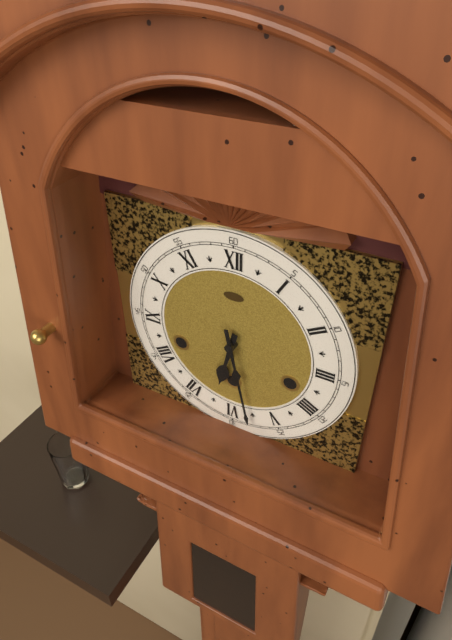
6.28
